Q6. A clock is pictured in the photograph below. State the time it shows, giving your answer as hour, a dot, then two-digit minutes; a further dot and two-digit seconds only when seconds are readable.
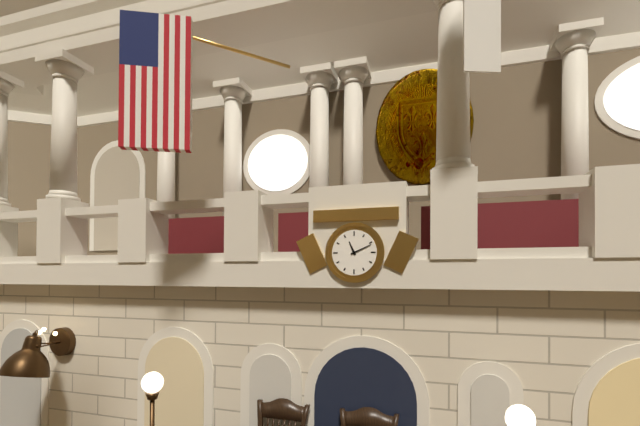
11.11
